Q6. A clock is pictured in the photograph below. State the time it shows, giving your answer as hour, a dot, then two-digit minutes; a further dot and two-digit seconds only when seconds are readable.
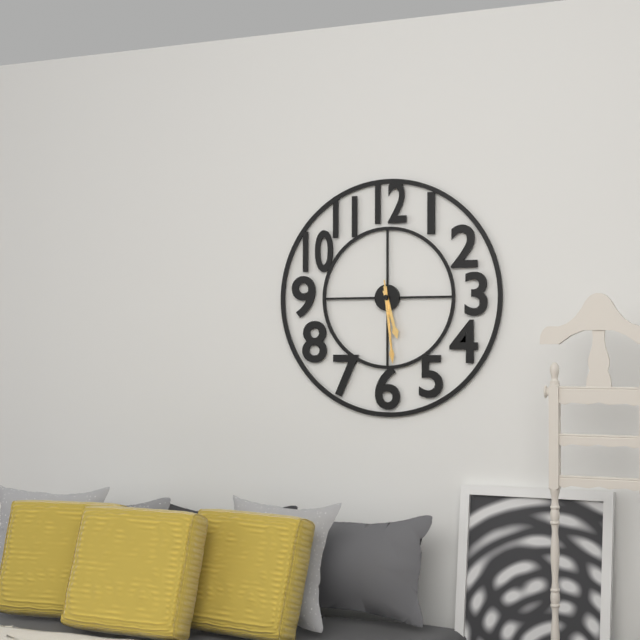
5.29.29
